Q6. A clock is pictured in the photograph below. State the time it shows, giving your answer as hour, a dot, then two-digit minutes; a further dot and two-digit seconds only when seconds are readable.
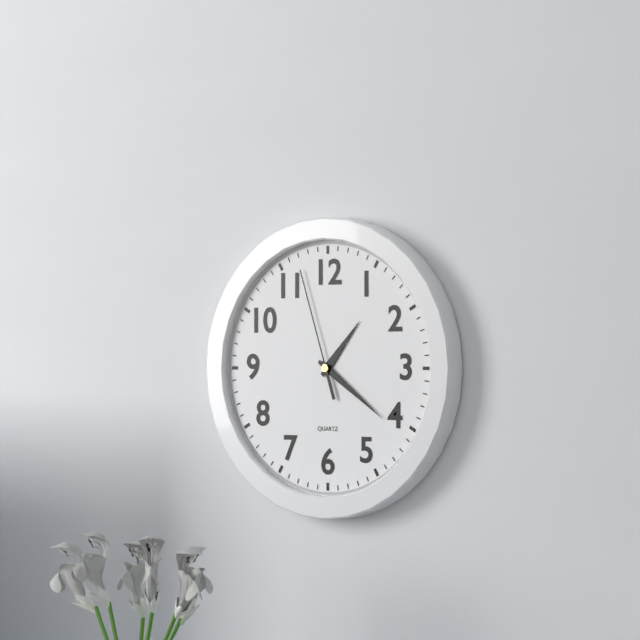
1.21.57
